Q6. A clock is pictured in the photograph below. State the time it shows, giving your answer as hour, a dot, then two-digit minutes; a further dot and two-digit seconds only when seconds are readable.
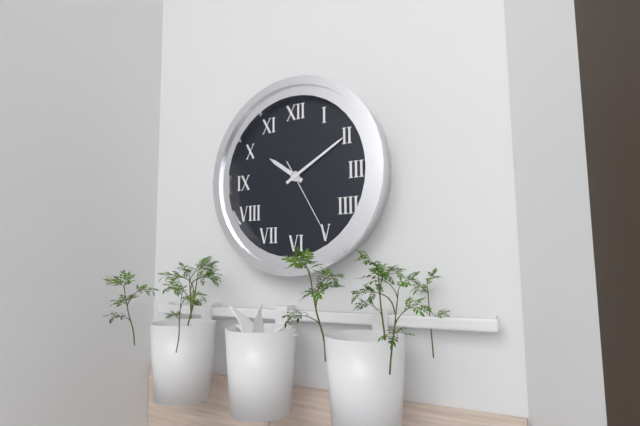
10.10.25
